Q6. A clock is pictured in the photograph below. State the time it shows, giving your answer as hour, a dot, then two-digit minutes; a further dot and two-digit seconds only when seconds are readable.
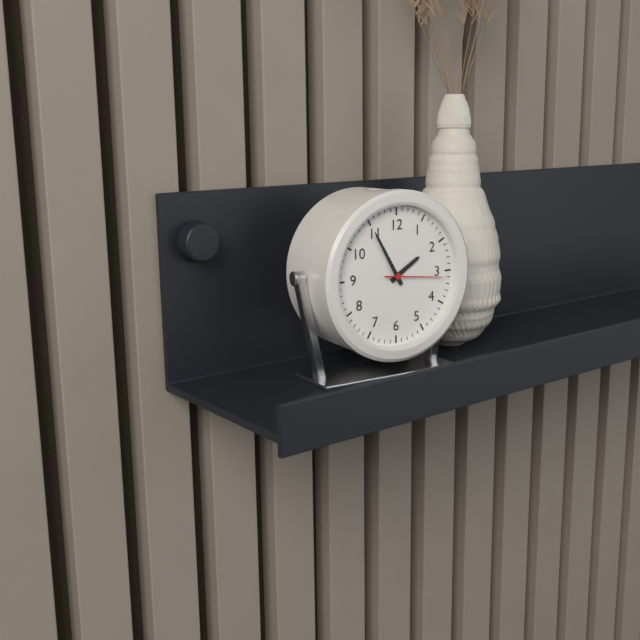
1.55.16
